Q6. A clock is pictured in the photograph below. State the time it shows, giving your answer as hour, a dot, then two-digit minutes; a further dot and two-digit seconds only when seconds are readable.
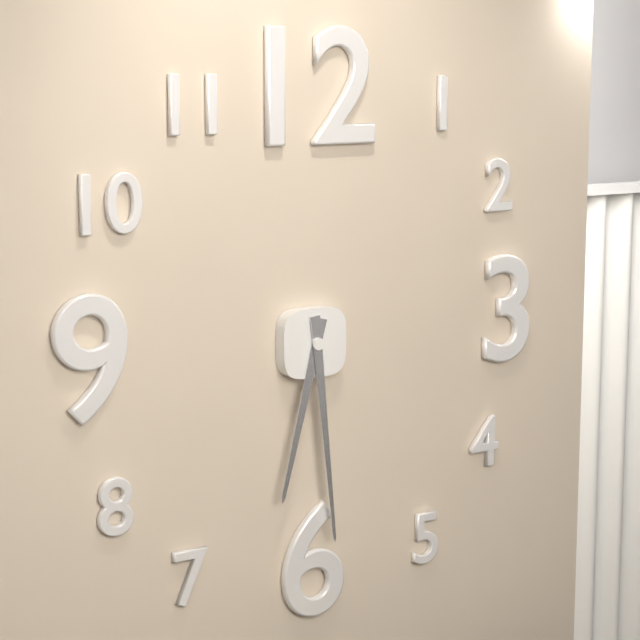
6.29
